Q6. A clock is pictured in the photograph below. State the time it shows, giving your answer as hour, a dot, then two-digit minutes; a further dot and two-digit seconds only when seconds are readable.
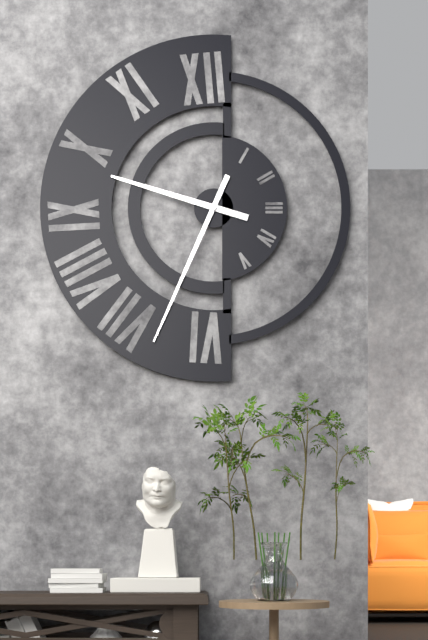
9.34
